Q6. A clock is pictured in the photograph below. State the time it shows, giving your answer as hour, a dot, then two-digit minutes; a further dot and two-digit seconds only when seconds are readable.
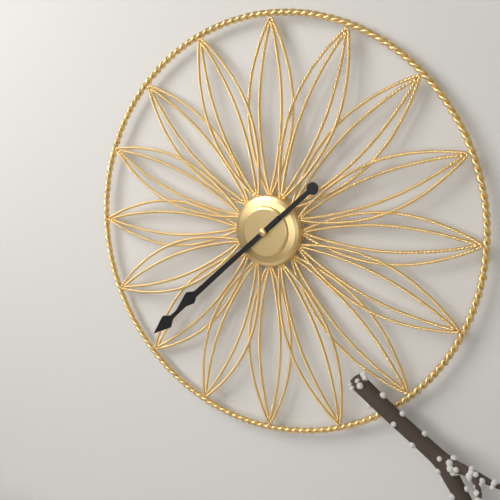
7.38
